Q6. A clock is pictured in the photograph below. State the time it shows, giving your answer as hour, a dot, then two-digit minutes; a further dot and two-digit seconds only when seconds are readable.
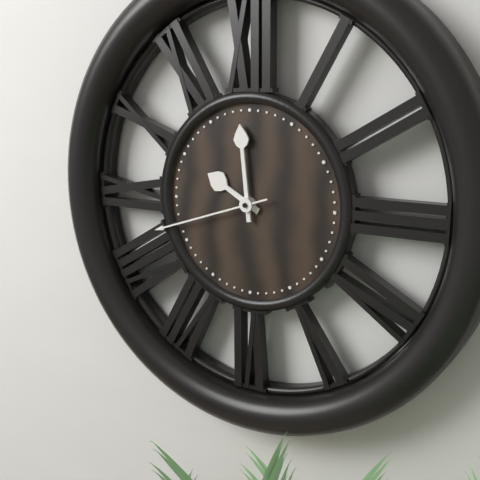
9.59.42
